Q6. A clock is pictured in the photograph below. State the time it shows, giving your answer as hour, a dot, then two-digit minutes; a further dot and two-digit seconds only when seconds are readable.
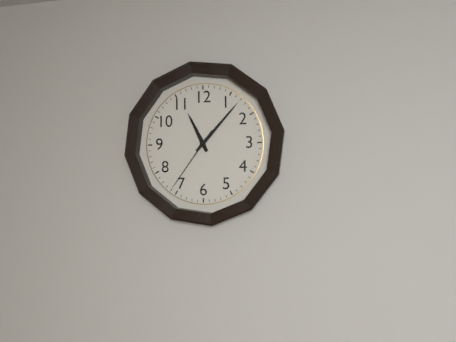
11.07.36
